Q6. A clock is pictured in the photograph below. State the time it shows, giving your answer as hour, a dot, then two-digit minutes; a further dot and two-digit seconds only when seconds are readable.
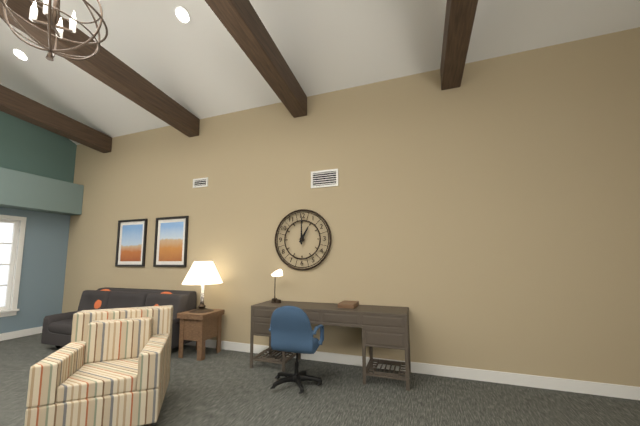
1.00
